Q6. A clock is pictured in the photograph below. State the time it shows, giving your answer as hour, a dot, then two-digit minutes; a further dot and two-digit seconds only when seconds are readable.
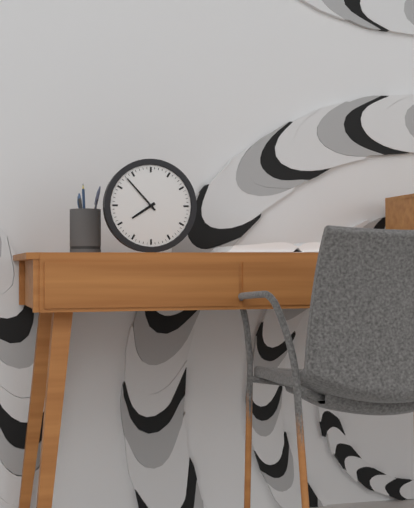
7.53
